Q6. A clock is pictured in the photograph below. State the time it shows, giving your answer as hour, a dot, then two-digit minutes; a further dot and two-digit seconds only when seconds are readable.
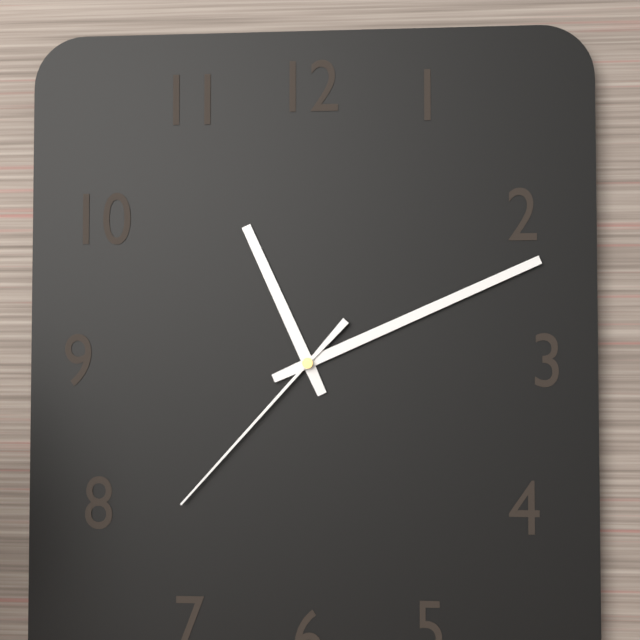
11.11.37
